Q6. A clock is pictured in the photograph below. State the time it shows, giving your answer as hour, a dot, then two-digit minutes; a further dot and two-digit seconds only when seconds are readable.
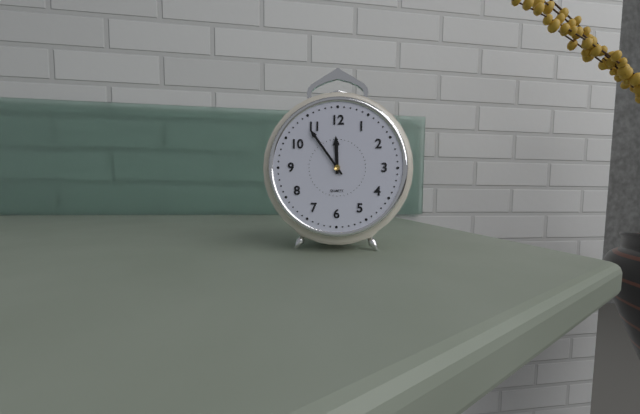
11.54
